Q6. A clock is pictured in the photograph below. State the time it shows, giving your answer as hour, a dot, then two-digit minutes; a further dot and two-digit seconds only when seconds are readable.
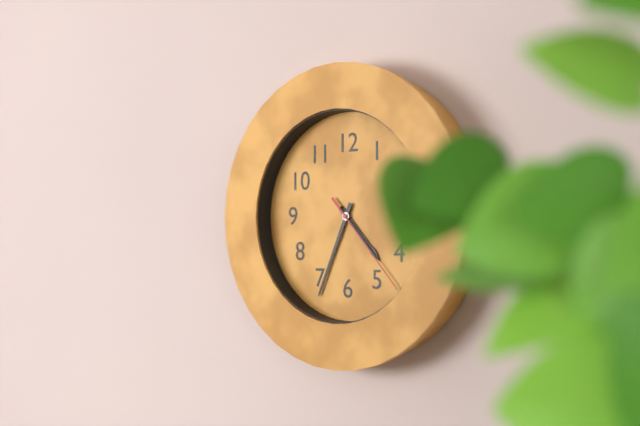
4.34.23
